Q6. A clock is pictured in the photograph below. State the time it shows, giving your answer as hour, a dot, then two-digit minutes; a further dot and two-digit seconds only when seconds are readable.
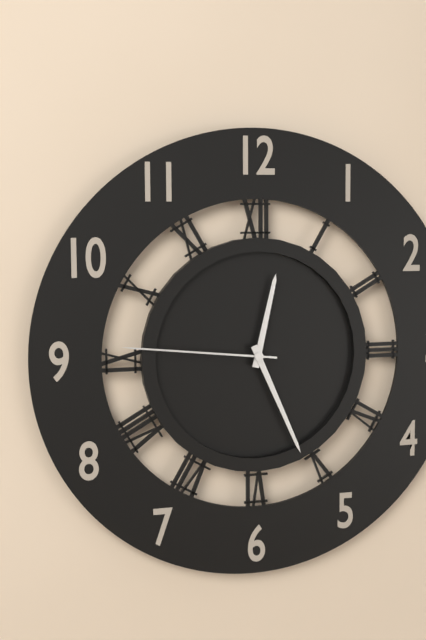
12.26.46
